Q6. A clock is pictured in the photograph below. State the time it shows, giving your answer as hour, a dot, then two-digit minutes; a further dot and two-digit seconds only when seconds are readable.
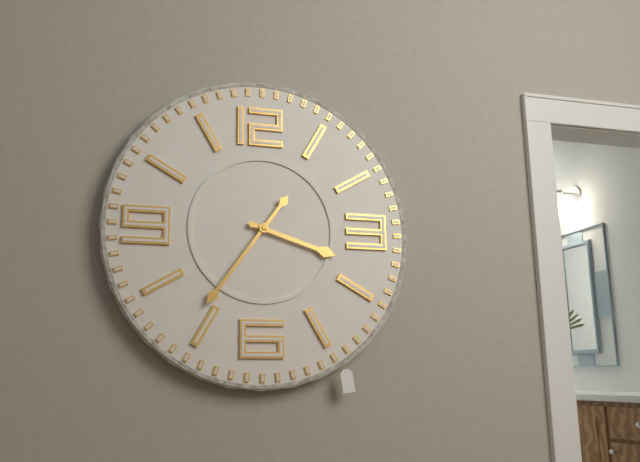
3.36
